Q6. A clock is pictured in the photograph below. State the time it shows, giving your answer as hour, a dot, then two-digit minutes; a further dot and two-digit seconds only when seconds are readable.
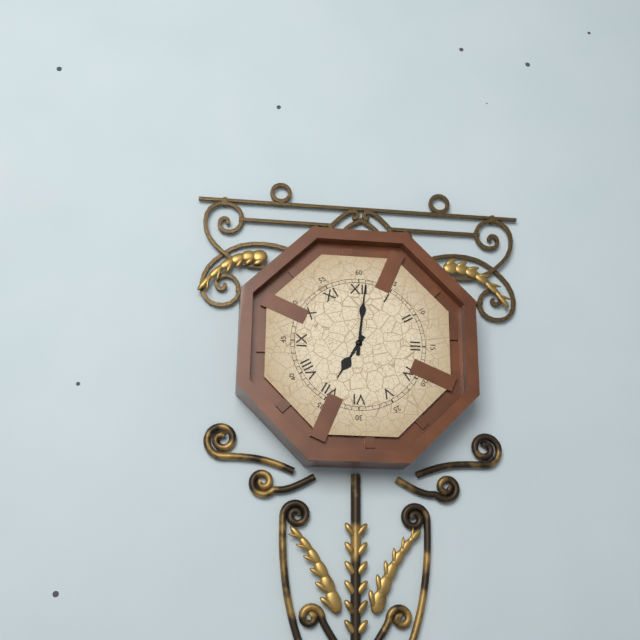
7.01
